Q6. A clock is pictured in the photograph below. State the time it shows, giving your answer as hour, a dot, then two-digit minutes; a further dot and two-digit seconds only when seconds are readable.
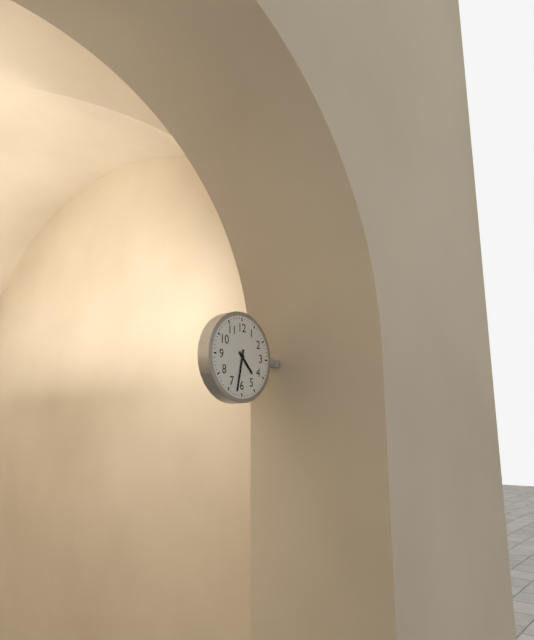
4.32
